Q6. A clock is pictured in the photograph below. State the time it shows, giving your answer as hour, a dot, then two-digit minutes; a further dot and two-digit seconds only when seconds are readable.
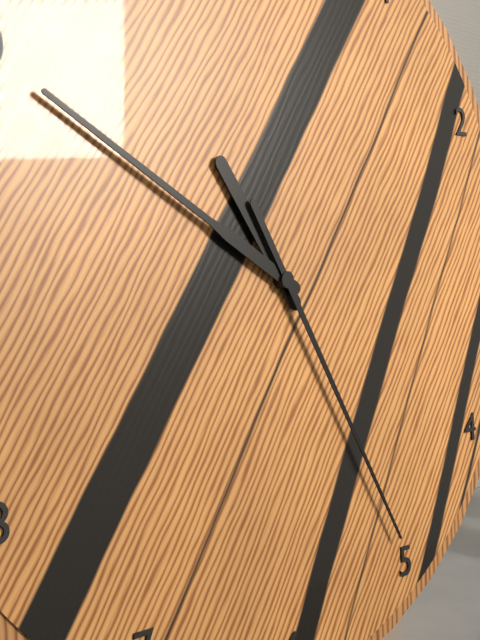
10.50.25
